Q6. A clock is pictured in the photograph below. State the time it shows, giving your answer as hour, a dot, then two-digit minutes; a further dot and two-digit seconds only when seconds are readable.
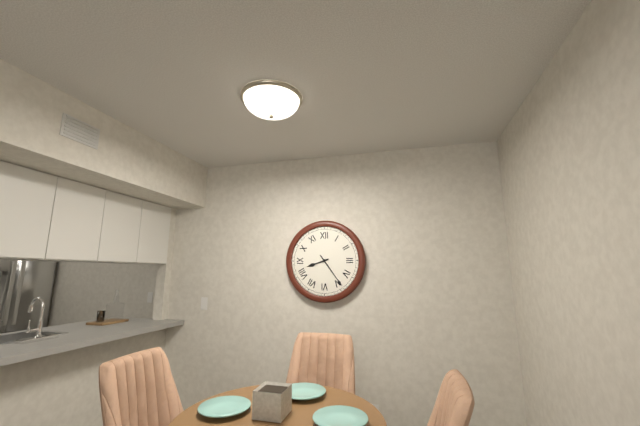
8.24
